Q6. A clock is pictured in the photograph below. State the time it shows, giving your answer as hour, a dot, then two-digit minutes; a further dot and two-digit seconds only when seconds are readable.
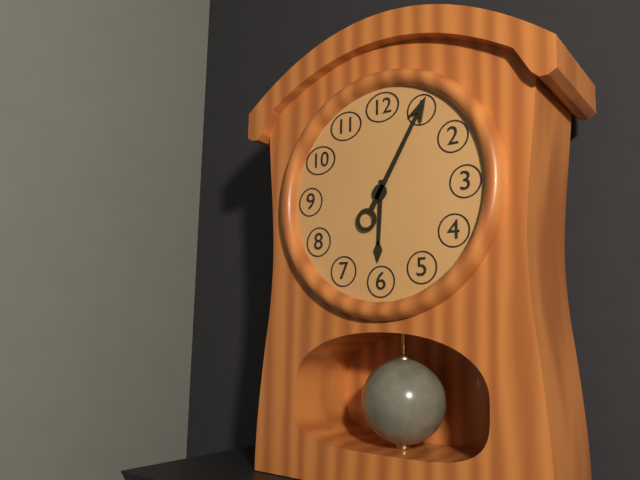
6.05
